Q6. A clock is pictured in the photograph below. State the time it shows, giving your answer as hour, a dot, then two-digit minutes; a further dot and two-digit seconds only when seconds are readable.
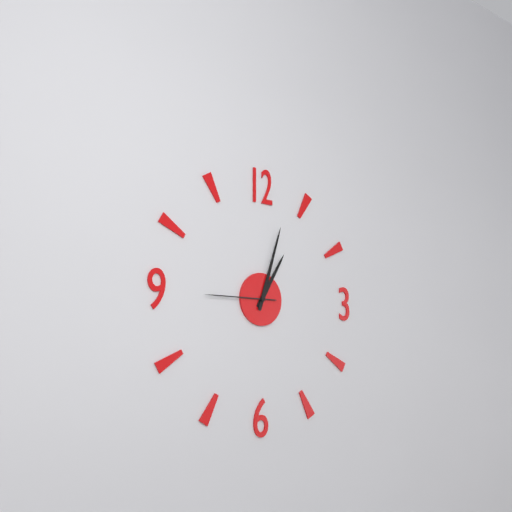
1.03.45
